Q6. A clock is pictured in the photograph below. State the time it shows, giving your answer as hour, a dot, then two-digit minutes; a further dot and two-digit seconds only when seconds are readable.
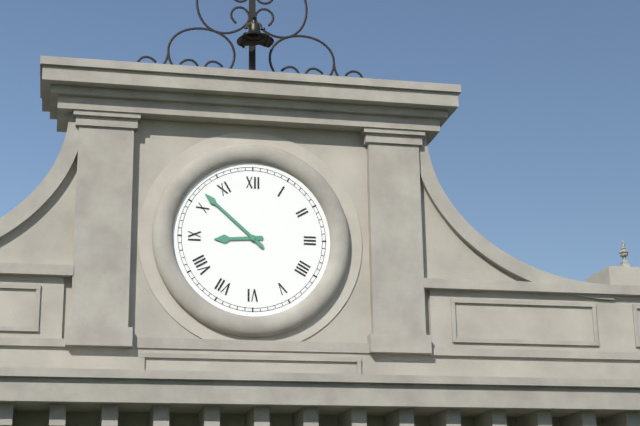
8.52
